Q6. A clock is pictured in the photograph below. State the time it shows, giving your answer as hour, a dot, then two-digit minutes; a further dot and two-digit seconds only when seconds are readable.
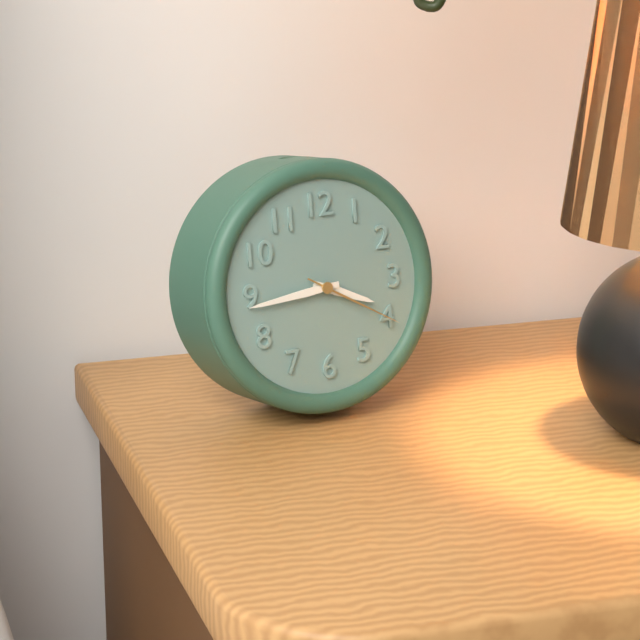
3.44.20
